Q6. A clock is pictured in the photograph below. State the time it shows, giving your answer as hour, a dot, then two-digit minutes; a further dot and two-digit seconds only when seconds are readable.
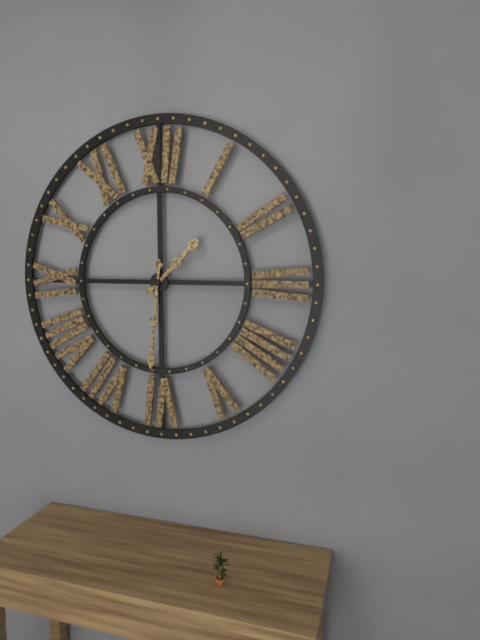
1.31
